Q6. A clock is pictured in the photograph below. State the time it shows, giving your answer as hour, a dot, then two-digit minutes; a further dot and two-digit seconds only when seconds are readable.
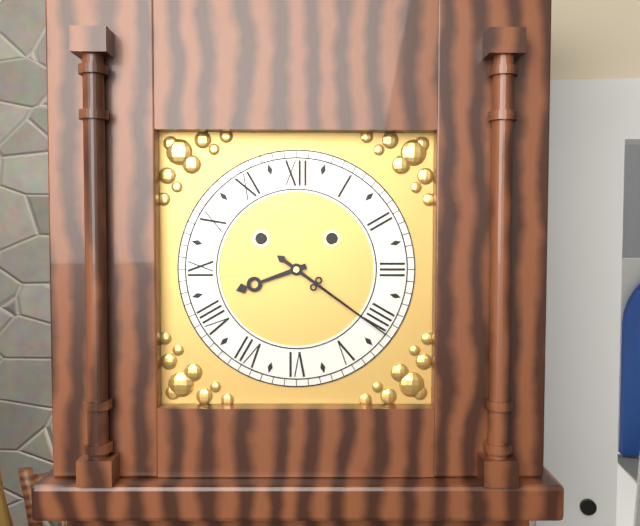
8.21
